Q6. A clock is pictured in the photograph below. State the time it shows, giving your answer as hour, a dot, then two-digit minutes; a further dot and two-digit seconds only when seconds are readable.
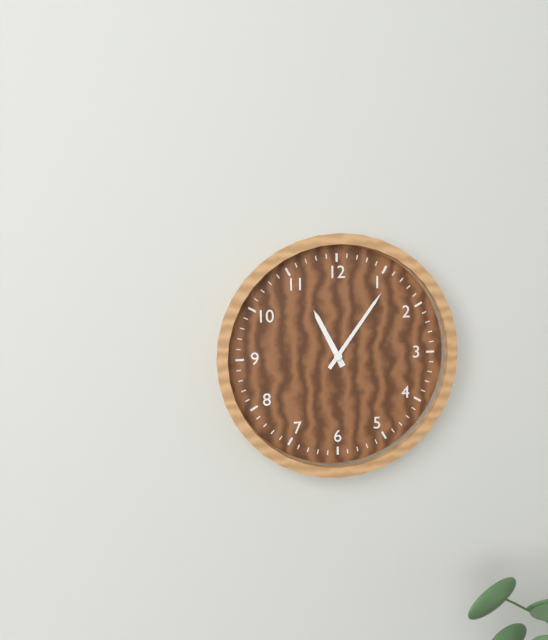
11.06
